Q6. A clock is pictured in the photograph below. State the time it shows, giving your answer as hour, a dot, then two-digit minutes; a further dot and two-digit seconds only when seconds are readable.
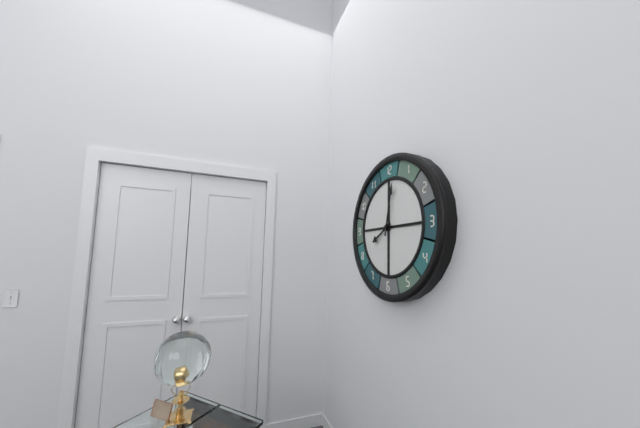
8.02
